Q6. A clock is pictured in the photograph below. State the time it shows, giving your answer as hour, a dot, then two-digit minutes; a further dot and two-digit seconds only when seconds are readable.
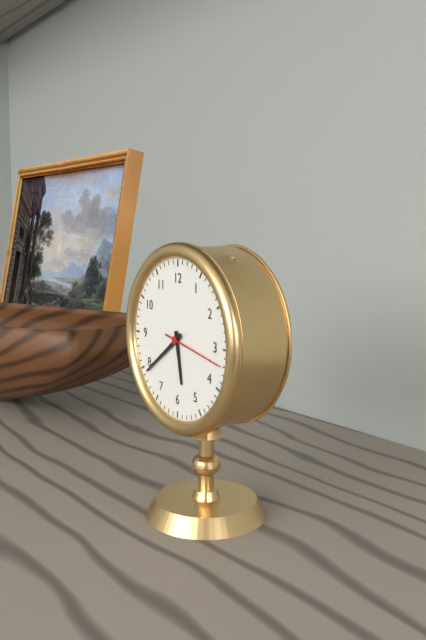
5.39.17
